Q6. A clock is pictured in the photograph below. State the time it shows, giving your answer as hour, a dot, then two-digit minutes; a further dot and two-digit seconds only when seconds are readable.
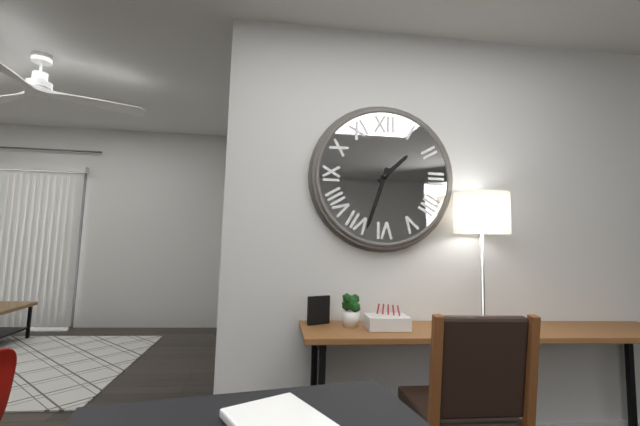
1.33
